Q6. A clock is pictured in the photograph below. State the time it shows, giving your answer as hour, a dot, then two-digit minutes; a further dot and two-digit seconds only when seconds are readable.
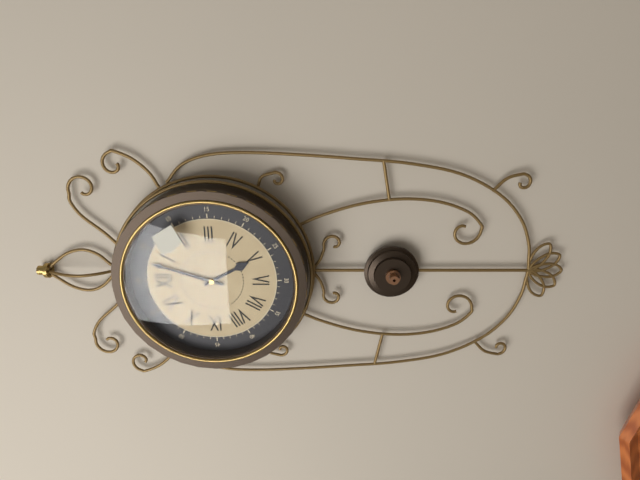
5.03
